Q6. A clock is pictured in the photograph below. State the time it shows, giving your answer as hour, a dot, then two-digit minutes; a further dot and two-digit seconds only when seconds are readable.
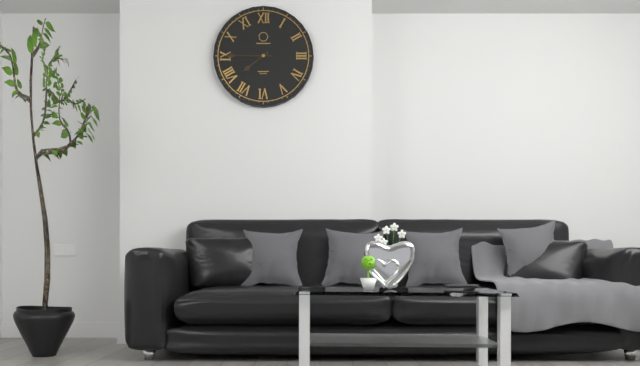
7.45
